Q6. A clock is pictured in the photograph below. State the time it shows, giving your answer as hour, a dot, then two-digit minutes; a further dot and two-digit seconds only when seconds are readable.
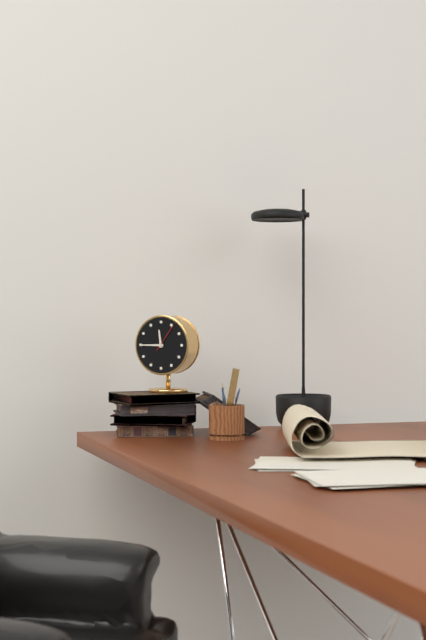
11.45
